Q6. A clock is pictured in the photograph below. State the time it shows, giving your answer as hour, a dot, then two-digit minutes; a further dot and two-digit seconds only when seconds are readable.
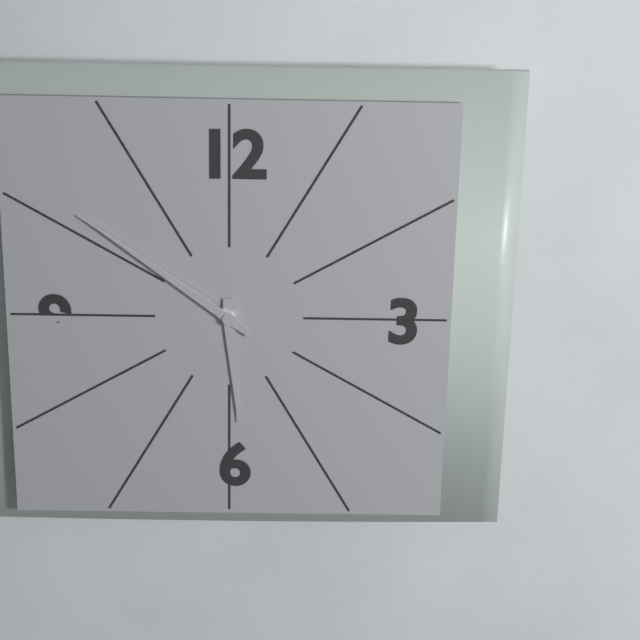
5.51
